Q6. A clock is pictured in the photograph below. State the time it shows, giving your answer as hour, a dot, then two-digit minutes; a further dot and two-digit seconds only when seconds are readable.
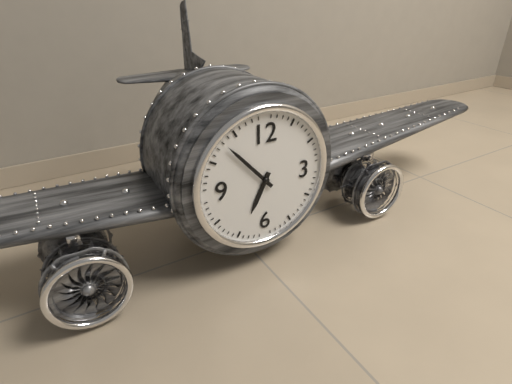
6.53
